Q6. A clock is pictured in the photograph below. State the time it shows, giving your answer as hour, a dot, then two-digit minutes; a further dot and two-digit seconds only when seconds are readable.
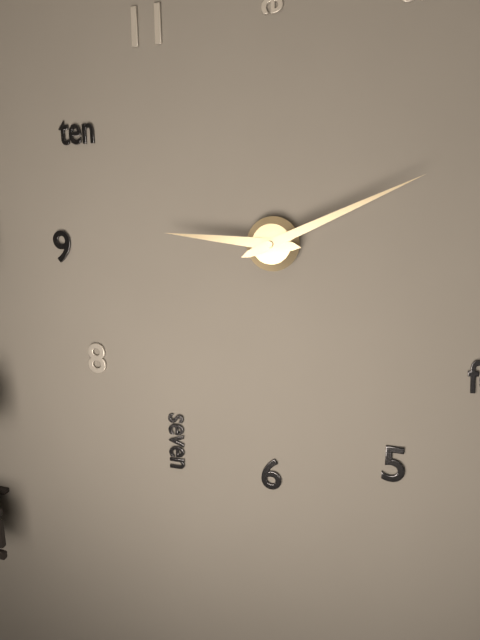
9.11
